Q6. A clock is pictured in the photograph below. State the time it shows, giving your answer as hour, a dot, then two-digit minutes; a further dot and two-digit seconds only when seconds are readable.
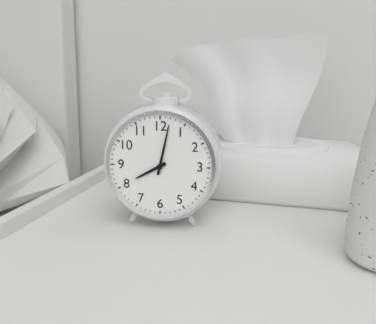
8.02
